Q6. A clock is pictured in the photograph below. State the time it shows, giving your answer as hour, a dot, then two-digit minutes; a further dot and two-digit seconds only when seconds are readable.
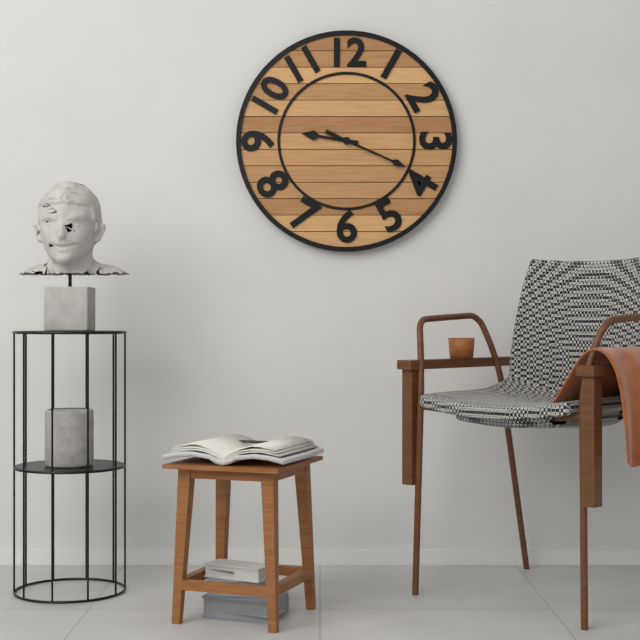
9.19
